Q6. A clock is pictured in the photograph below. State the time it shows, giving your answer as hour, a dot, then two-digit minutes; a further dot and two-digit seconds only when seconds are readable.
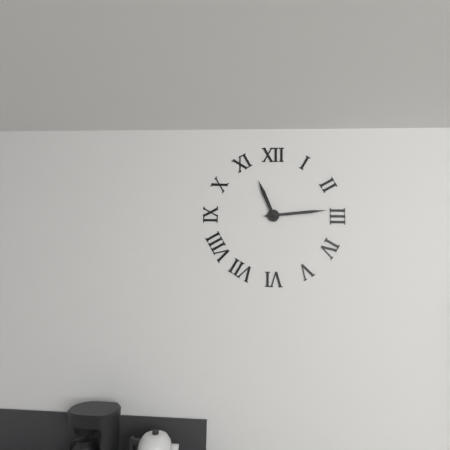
11.14
